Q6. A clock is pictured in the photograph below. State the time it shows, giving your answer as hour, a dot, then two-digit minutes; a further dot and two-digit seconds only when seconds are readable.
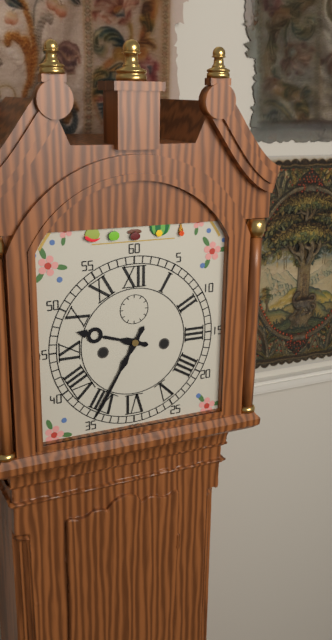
9.35
